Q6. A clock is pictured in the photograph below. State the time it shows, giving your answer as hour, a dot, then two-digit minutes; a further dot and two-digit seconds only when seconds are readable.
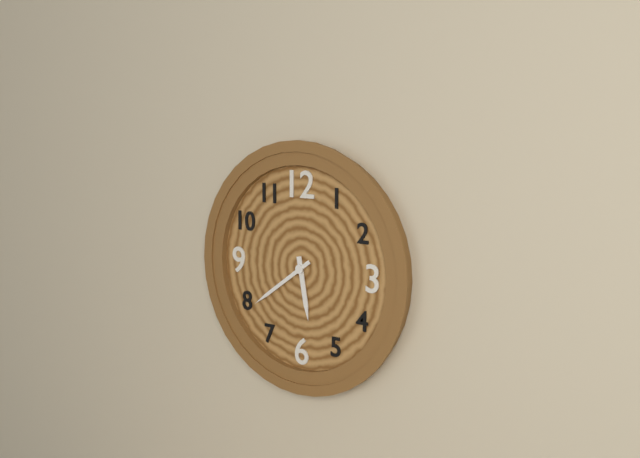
5.39
